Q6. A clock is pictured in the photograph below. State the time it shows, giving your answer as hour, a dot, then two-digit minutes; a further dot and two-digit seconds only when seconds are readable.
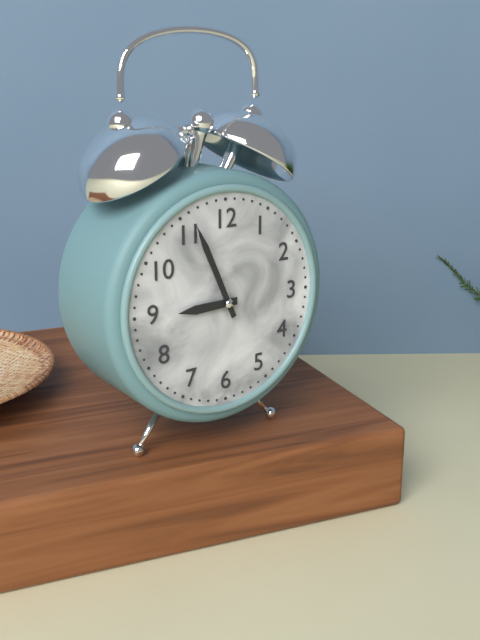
8.56
